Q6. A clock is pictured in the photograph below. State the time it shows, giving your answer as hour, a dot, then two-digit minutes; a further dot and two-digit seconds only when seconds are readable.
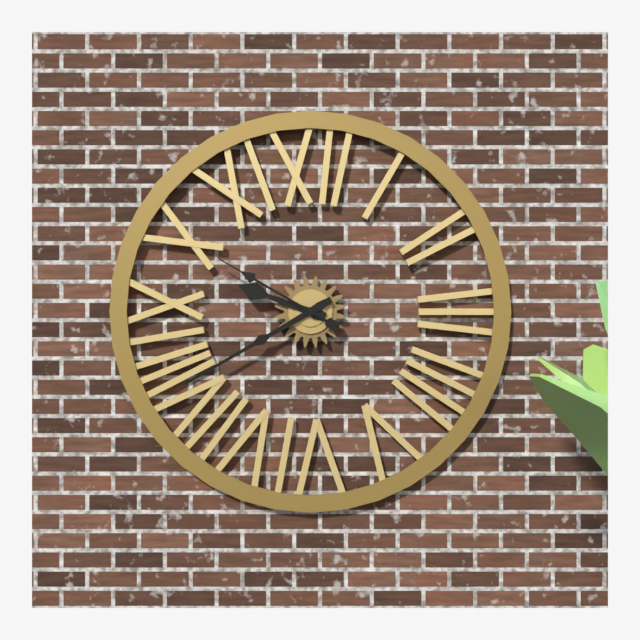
9.40.50
